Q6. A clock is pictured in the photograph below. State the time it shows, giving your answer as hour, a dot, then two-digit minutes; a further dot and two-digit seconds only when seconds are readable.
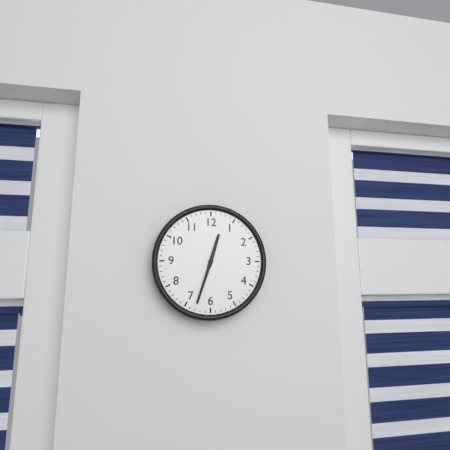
12.33
